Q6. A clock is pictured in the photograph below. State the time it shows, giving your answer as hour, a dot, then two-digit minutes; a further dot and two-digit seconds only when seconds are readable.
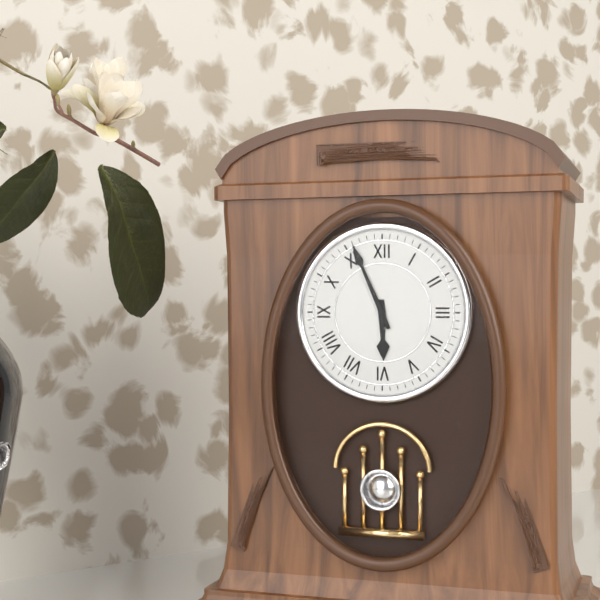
5.56
